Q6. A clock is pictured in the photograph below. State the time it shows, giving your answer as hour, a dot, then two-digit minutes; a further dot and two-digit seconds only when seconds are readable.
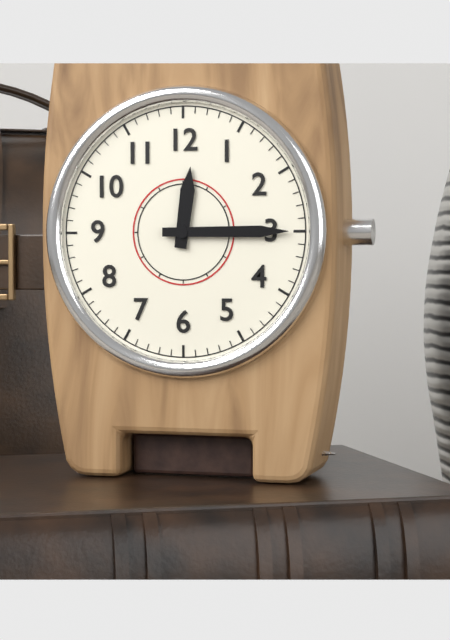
12.15
